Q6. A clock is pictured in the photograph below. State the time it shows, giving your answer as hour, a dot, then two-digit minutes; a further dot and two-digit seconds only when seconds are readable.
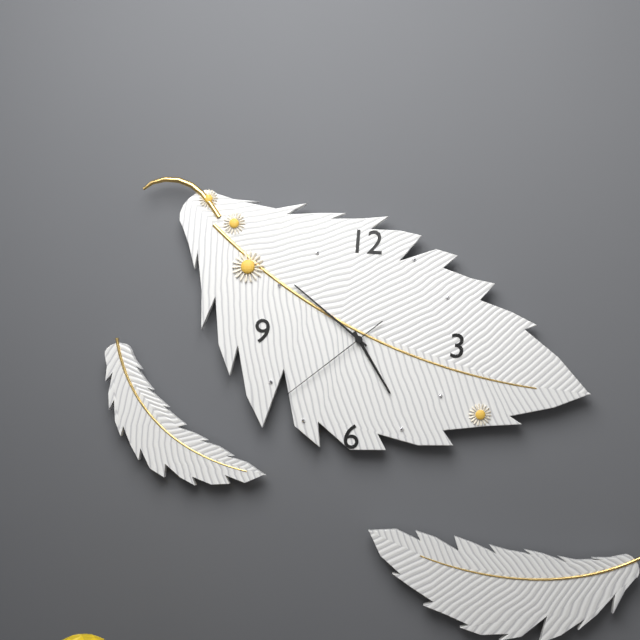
4.51.38
